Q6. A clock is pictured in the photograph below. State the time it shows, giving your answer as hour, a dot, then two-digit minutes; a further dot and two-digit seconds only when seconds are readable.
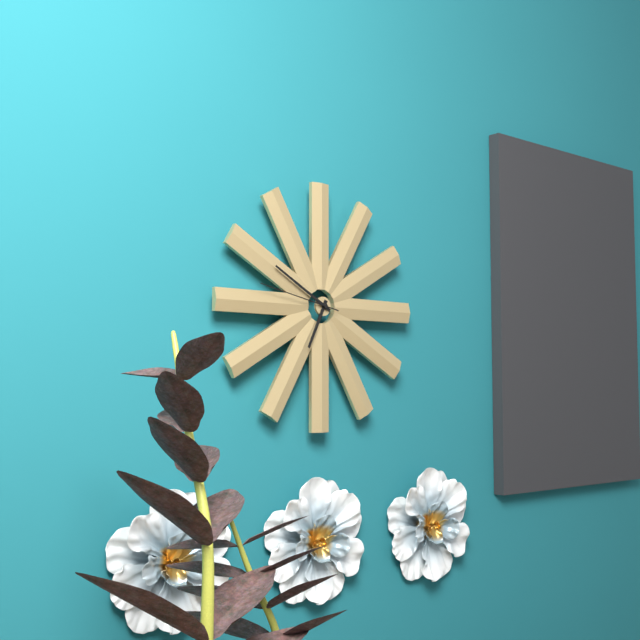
6.50.47
